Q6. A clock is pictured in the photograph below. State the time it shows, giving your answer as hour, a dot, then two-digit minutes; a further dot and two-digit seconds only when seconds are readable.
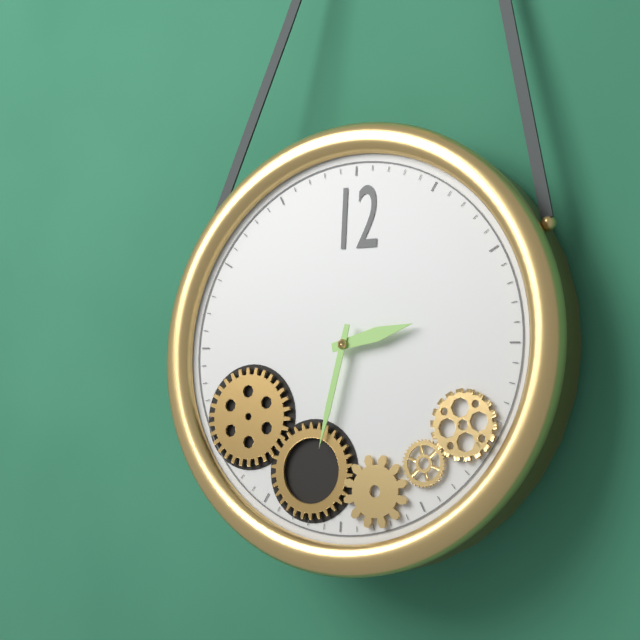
2.32
